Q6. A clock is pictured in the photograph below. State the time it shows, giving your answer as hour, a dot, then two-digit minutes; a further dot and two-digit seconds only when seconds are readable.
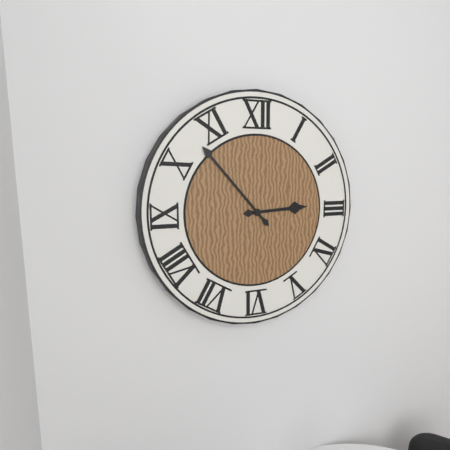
2.53
